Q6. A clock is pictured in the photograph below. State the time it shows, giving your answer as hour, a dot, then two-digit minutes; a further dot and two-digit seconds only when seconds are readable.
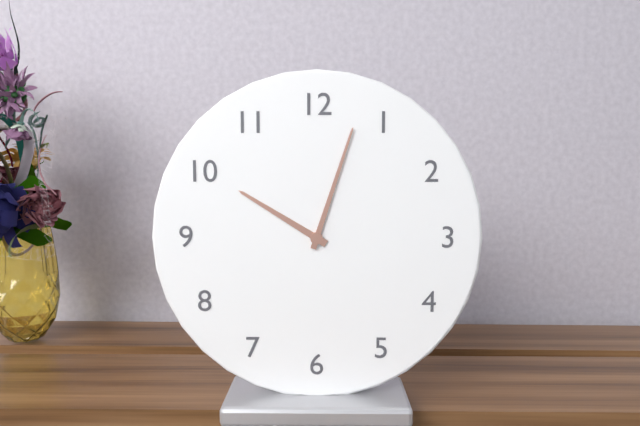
10.03
